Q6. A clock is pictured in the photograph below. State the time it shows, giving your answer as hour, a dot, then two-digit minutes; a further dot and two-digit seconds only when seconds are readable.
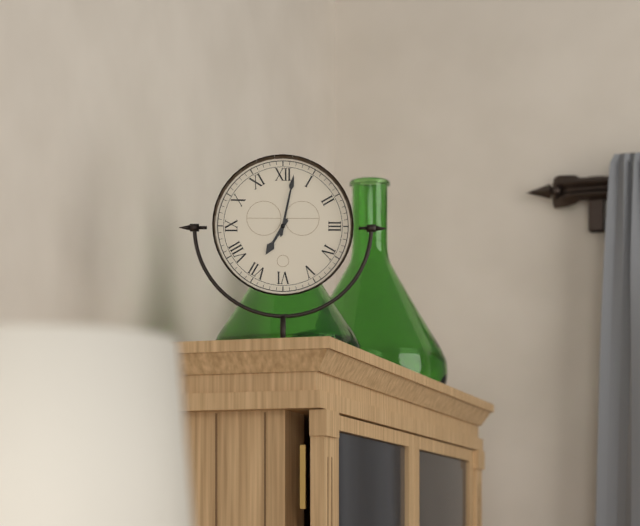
7.02
